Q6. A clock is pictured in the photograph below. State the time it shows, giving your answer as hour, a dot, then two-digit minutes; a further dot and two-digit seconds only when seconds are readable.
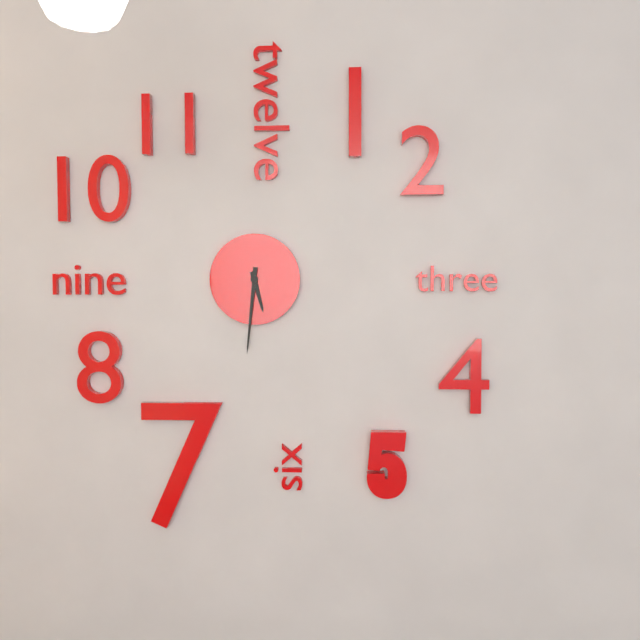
5.31
